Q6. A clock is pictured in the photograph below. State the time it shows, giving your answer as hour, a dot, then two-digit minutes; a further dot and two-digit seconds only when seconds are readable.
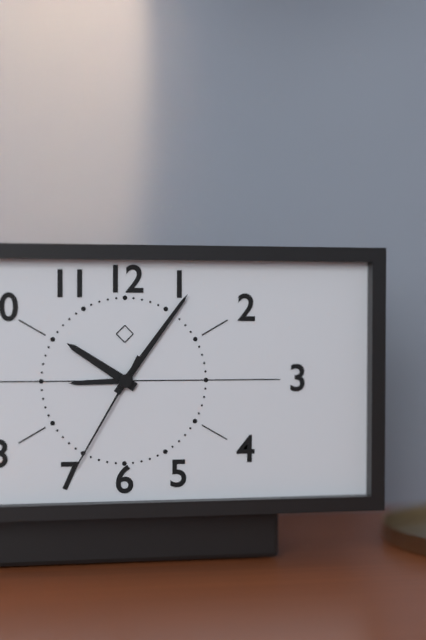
10.06.35
